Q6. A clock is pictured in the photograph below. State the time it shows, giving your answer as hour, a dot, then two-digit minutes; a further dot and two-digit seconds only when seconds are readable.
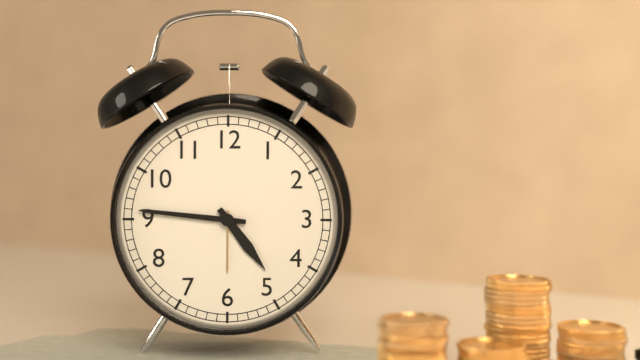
4.46
